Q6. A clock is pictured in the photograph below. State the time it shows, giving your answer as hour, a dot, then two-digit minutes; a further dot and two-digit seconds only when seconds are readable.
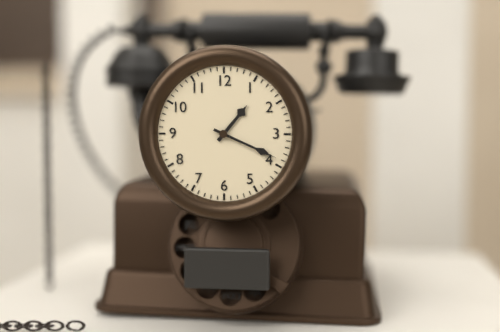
1.19
